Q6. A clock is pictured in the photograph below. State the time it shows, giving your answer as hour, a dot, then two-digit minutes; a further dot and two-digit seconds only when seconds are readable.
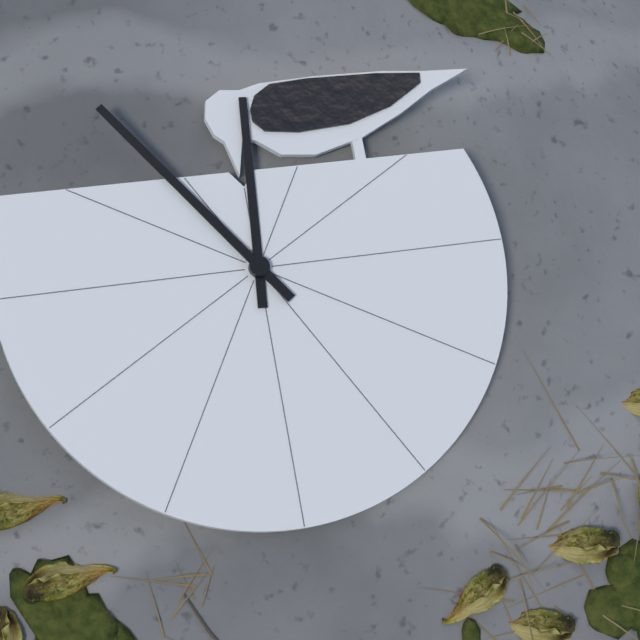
3.09
